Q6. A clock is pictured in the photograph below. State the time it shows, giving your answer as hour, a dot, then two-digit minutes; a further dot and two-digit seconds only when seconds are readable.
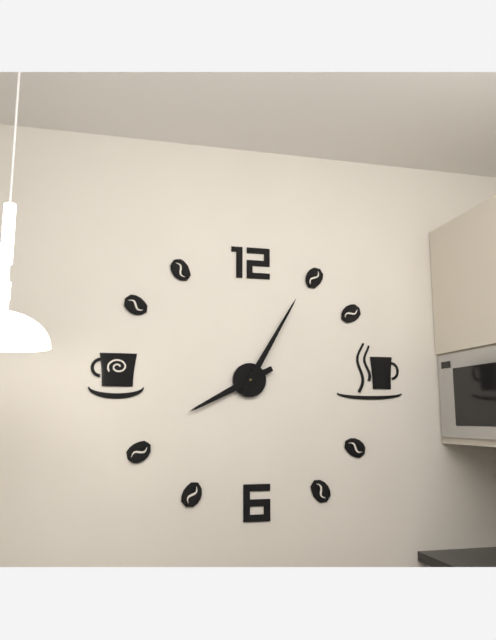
8.05
